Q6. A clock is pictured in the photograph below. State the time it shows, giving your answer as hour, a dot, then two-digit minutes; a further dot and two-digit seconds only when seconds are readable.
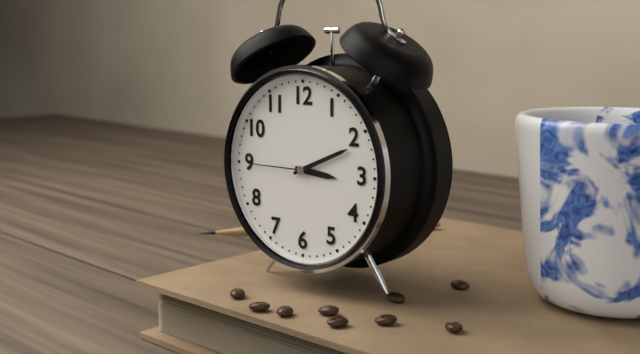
3.11.45
